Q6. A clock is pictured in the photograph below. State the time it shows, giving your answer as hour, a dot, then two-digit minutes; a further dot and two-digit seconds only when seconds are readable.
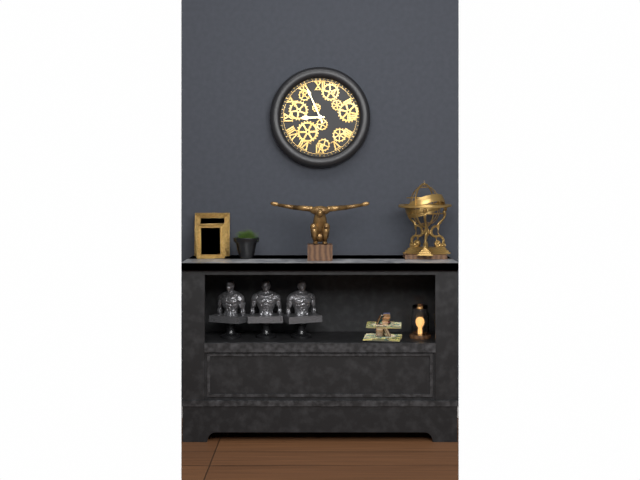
8.56
